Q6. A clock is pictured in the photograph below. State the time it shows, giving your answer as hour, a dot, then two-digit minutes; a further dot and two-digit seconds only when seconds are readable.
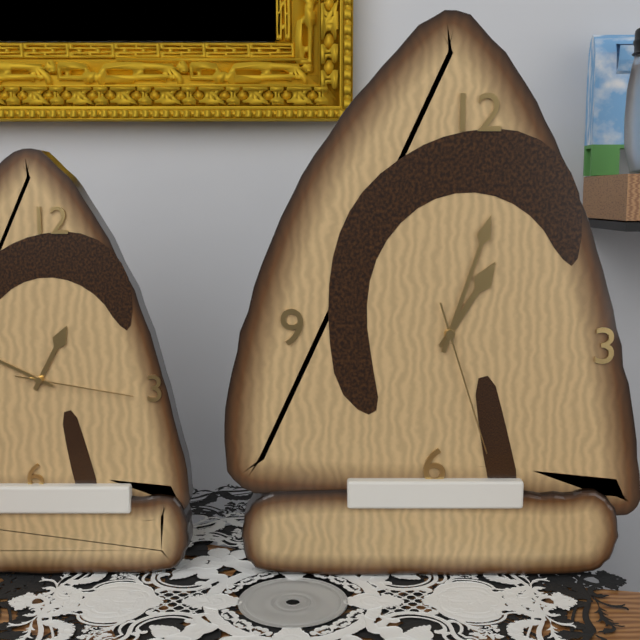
1.03.27
